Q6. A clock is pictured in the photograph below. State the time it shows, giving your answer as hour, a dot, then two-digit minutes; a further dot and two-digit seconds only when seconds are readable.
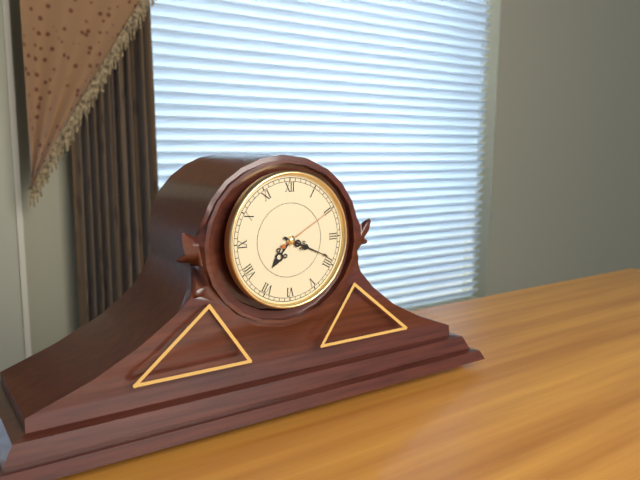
7.19.10
